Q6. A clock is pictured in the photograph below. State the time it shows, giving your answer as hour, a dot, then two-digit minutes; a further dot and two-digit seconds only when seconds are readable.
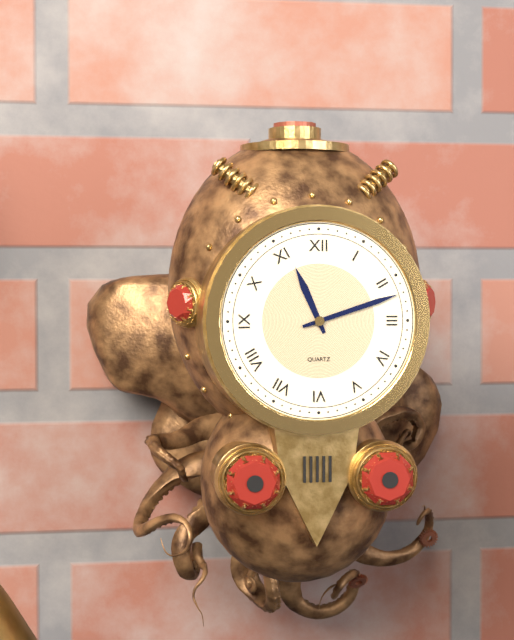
11.12
